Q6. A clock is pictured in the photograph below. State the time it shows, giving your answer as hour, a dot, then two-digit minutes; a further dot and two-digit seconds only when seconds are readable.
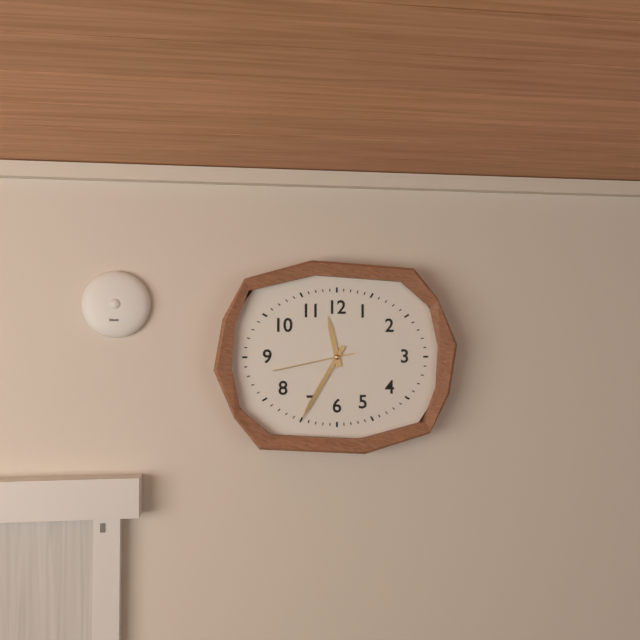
11.35.43
